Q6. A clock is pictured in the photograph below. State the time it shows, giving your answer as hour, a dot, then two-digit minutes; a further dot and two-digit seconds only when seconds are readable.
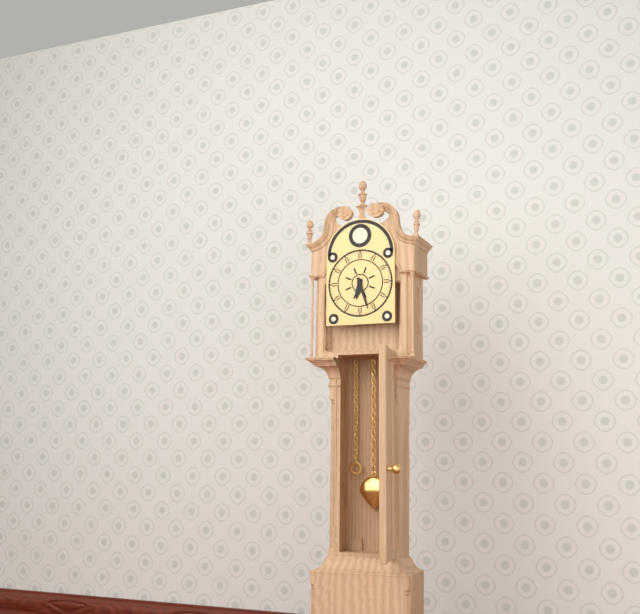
6.27
